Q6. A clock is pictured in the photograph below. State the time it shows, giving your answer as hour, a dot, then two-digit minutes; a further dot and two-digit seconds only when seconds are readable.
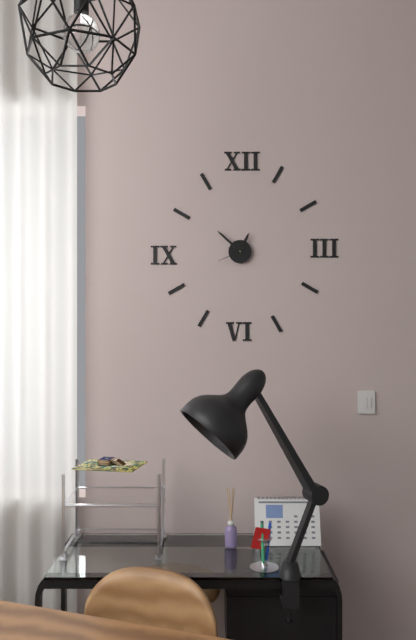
12.52
